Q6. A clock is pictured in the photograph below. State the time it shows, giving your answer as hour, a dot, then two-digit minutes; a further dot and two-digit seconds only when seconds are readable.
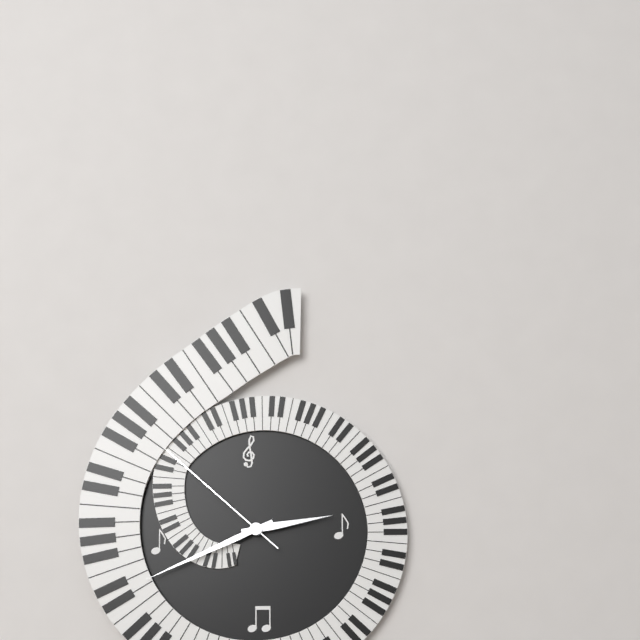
2.41.52
